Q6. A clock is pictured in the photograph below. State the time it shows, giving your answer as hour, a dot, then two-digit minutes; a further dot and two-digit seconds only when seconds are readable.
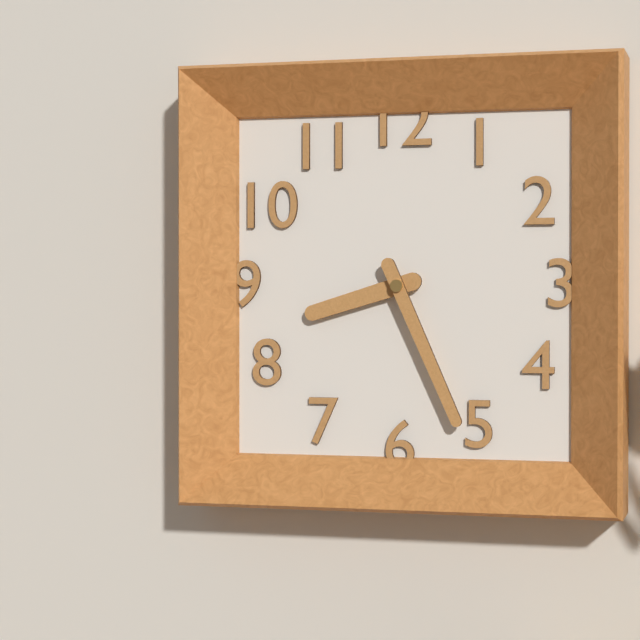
8.26
